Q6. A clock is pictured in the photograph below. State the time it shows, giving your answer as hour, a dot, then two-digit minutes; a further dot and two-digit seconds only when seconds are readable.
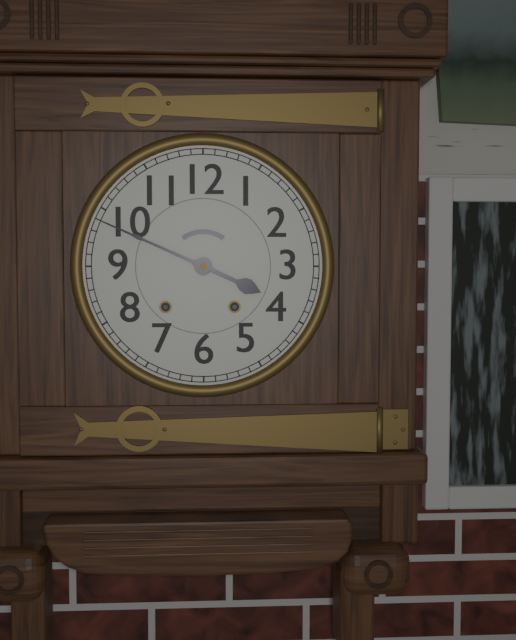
3.49
